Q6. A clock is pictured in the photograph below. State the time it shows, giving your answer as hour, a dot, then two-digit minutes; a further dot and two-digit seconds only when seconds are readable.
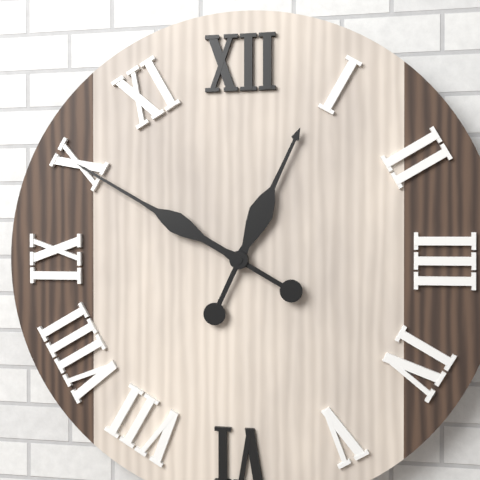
12.50
